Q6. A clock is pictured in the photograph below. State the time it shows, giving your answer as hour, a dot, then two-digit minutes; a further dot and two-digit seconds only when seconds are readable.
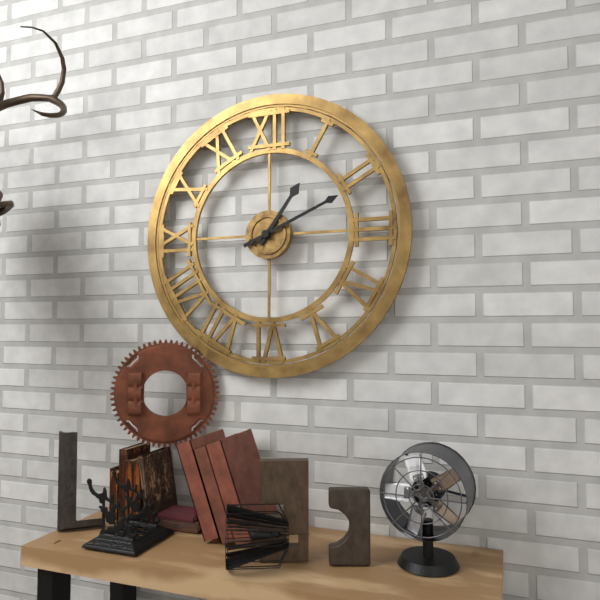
1.11
